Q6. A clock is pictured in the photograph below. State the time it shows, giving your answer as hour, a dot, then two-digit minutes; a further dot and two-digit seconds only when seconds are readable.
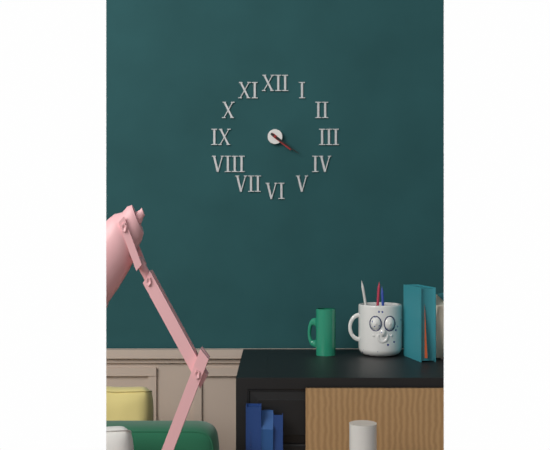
4.21
